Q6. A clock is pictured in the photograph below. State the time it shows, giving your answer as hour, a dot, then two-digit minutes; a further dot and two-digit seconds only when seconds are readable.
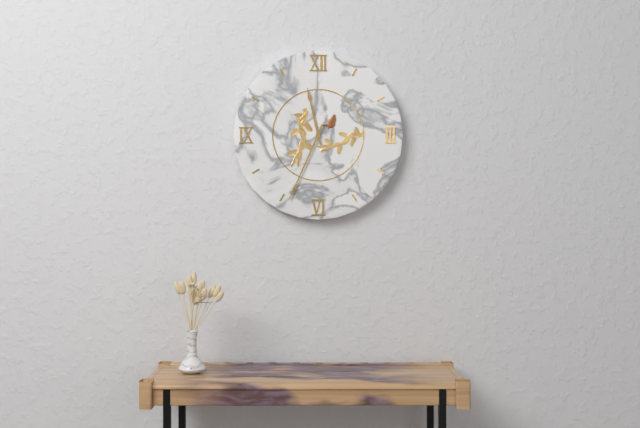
11.34
